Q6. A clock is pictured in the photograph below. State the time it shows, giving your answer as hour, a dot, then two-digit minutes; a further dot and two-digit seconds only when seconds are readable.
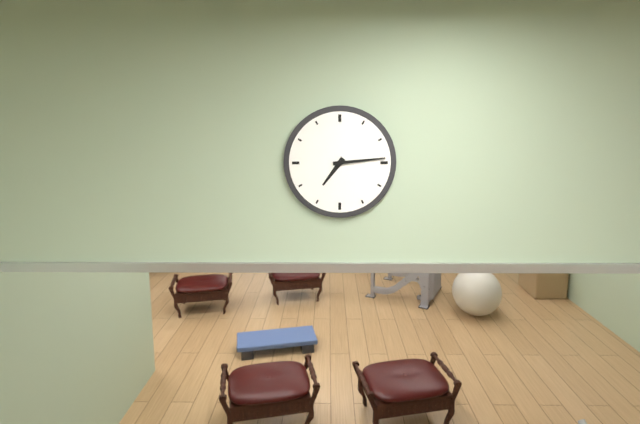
7.14
